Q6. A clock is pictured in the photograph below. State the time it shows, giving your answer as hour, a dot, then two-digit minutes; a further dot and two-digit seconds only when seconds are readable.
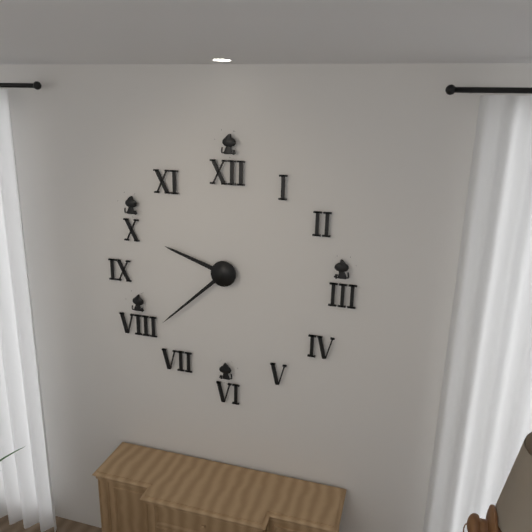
9.38
